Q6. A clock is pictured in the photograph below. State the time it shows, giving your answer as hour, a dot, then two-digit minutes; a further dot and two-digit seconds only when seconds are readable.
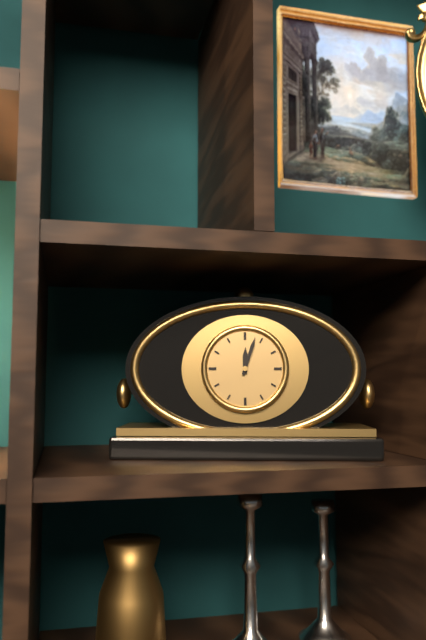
12.03
